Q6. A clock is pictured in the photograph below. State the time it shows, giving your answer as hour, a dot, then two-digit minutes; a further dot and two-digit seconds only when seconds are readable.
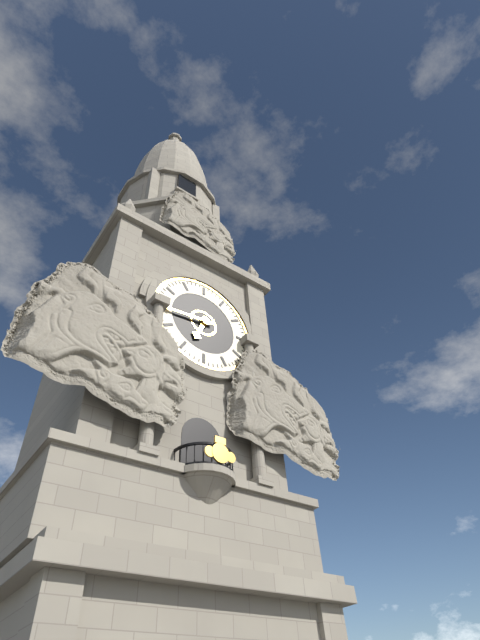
6.44
